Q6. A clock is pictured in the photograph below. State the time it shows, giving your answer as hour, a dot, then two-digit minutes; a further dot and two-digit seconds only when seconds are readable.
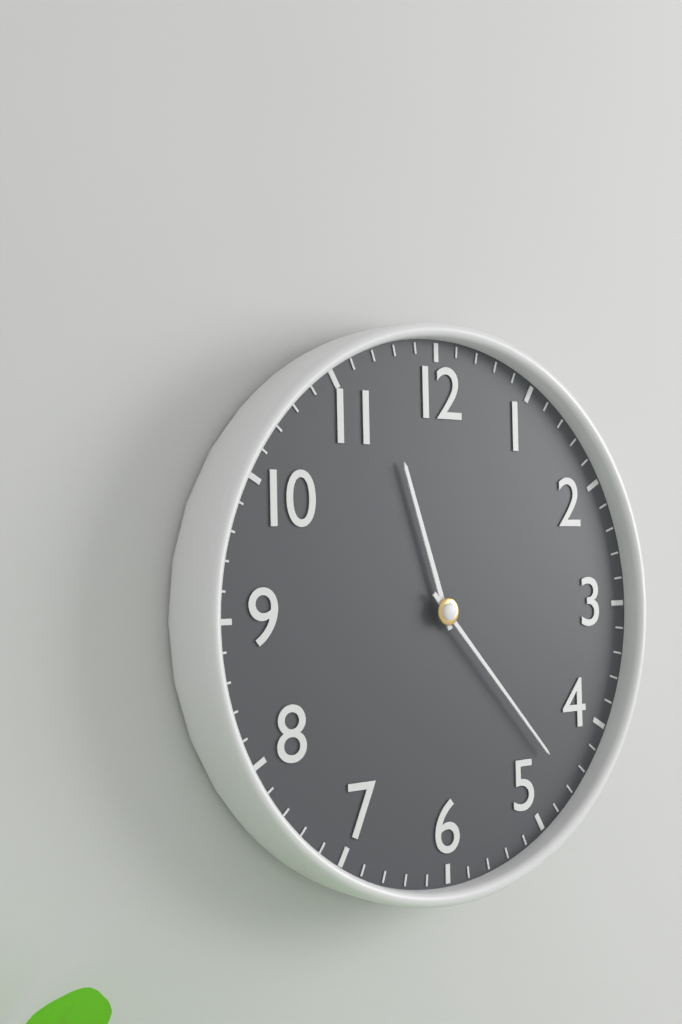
11.23
